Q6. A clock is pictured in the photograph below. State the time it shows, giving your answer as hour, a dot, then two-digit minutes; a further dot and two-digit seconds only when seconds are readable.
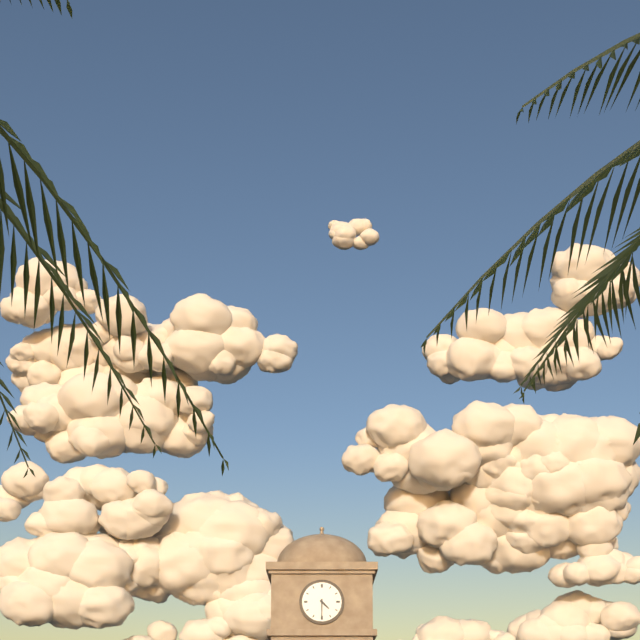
4.30
